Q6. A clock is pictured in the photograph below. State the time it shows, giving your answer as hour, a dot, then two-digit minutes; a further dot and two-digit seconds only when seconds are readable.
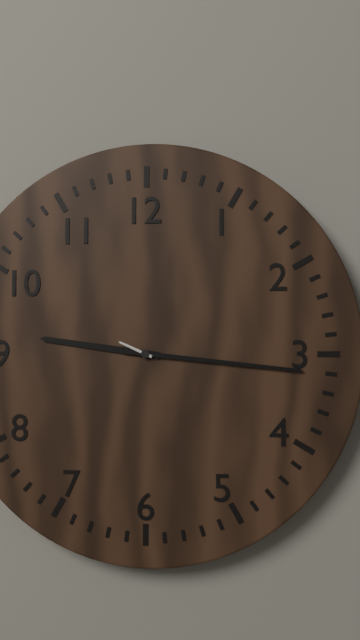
9.16
